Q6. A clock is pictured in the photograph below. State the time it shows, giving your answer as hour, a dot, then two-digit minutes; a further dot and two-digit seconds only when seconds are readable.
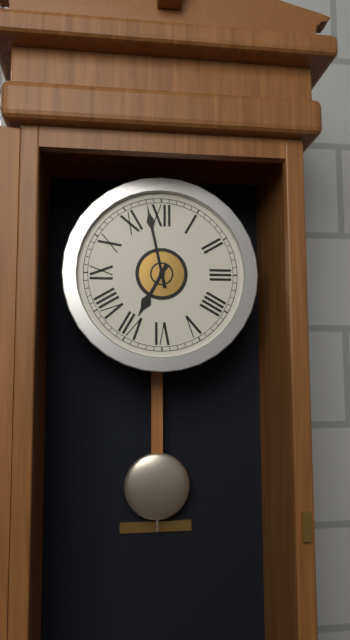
6.58
